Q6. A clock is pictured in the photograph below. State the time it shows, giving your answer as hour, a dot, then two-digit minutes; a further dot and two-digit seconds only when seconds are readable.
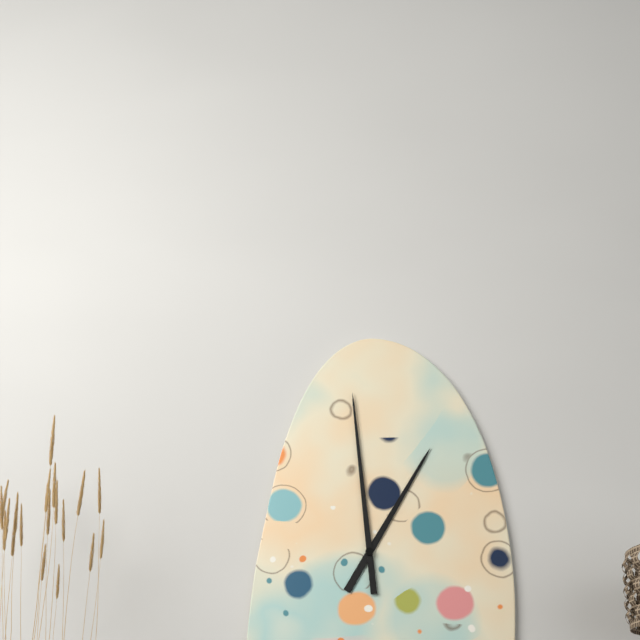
12.59
